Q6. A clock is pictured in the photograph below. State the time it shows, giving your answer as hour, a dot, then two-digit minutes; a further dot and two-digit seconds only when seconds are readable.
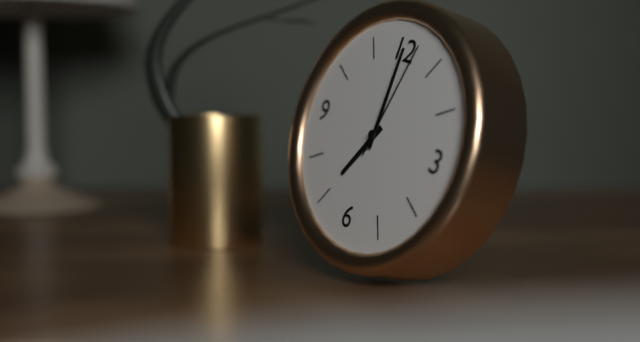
7.00.02
